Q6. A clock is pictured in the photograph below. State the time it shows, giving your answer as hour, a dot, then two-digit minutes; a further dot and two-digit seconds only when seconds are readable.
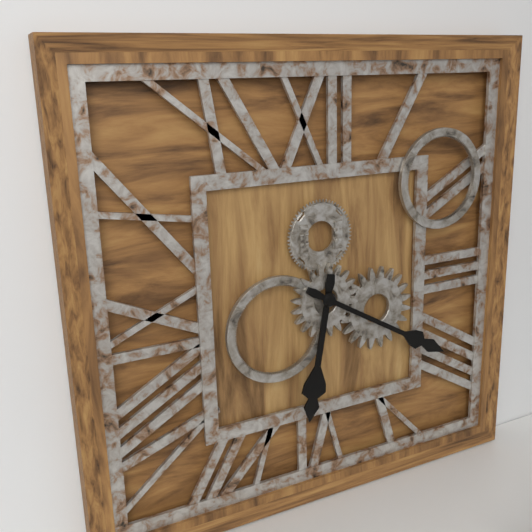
6.20
